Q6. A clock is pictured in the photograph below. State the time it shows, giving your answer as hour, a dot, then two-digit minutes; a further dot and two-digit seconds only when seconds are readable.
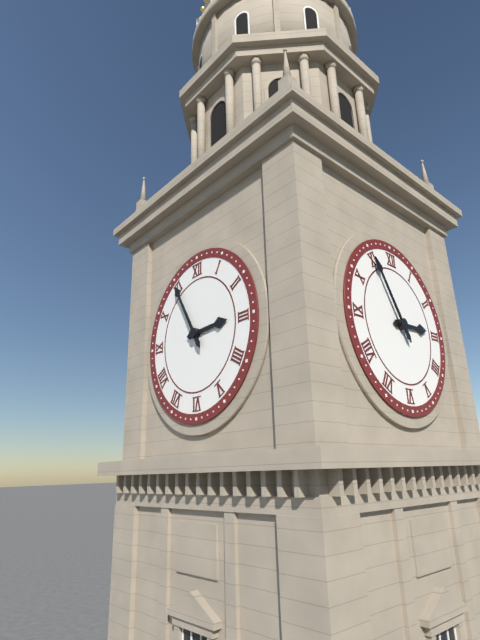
2.55
